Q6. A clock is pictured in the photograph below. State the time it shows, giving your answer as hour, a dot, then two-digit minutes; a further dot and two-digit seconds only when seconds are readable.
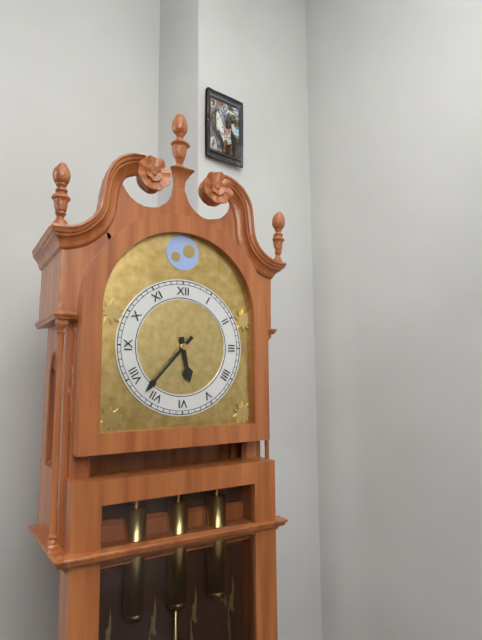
5.37
